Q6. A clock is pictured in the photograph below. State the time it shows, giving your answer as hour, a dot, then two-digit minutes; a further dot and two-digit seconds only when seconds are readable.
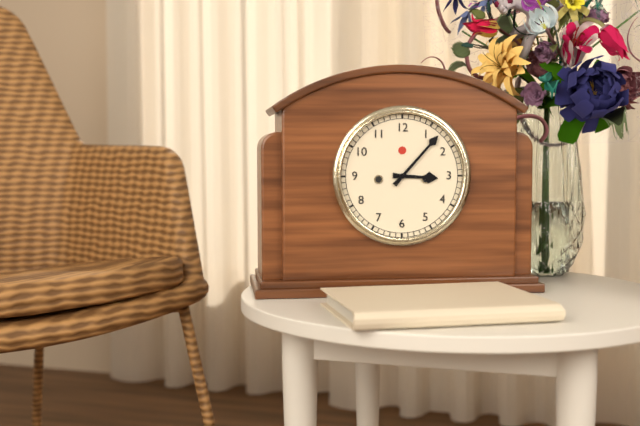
3.07
